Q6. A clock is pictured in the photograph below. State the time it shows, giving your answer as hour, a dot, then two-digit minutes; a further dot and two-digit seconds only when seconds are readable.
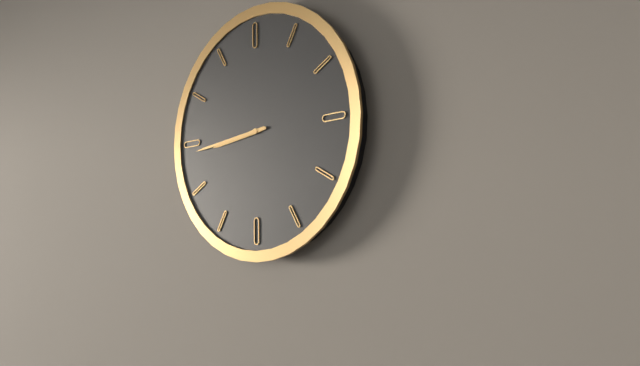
8.44
